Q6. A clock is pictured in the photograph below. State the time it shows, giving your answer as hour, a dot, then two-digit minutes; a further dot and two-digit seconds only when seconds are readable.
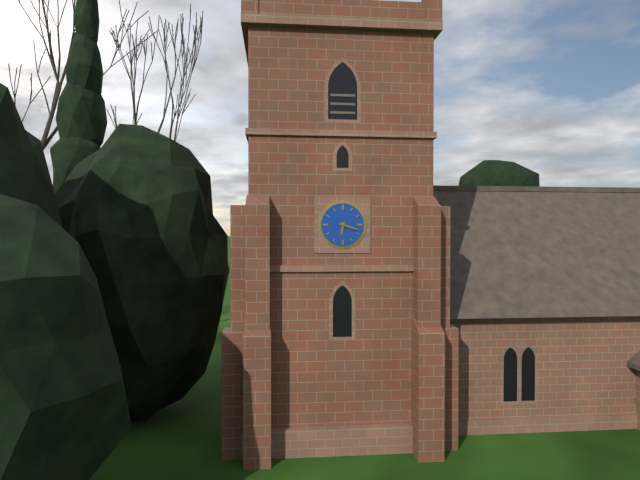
6.18
